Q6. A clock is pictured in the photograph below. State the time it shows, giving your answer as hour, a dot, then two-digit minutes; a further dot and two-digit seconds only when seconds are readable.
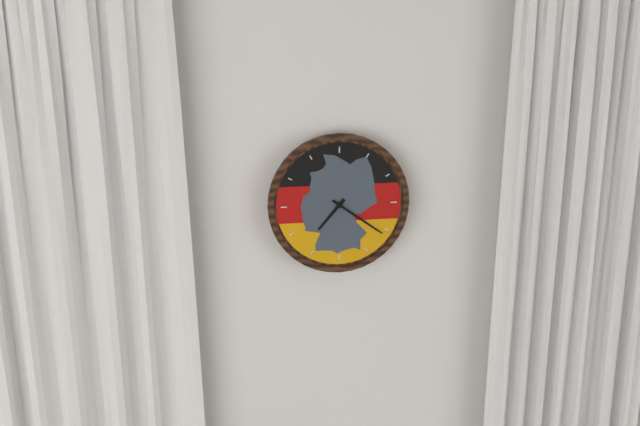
7.21
